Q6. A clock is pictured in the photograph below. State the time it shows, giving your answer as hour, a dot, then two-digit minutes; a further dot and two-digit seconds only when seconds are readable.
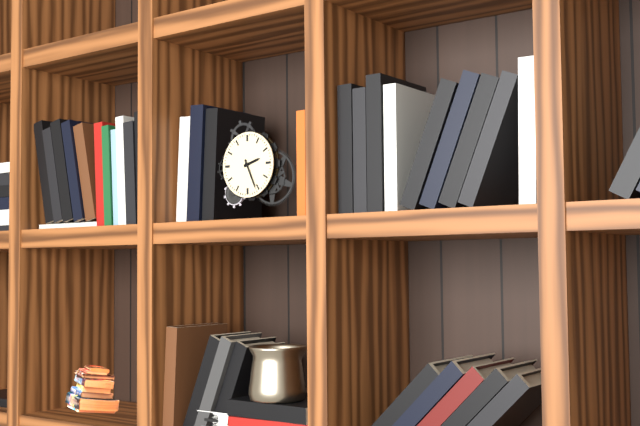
2.26
